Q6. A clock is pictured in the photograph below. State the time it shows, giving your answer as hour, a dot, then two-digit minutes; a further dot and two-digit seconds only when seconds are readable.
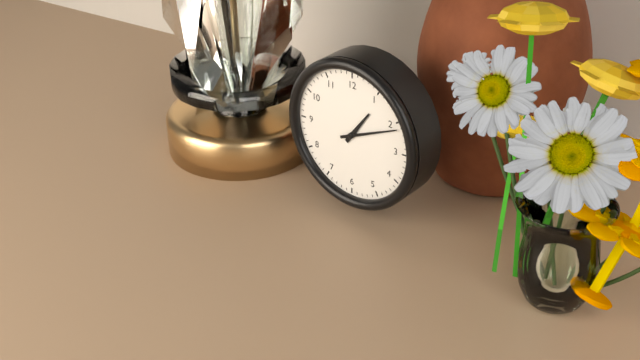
1.11
